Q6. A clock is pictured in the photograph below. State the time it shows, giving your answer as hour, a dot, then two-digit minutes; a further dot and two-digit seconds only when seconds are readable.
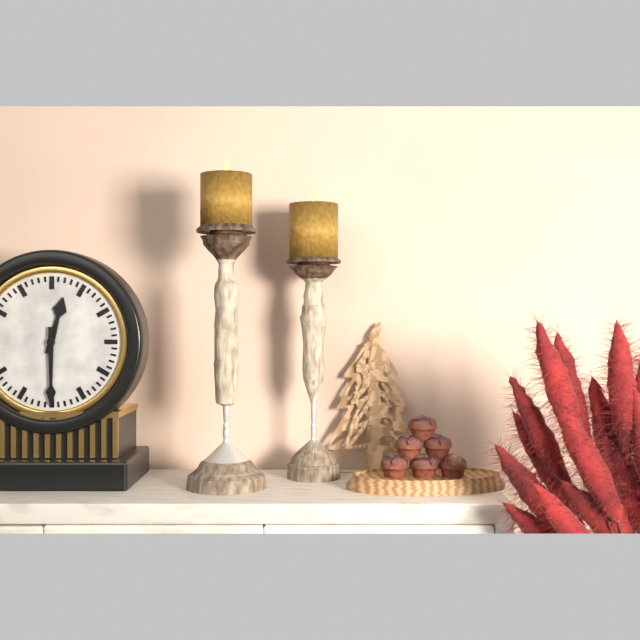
12.30
